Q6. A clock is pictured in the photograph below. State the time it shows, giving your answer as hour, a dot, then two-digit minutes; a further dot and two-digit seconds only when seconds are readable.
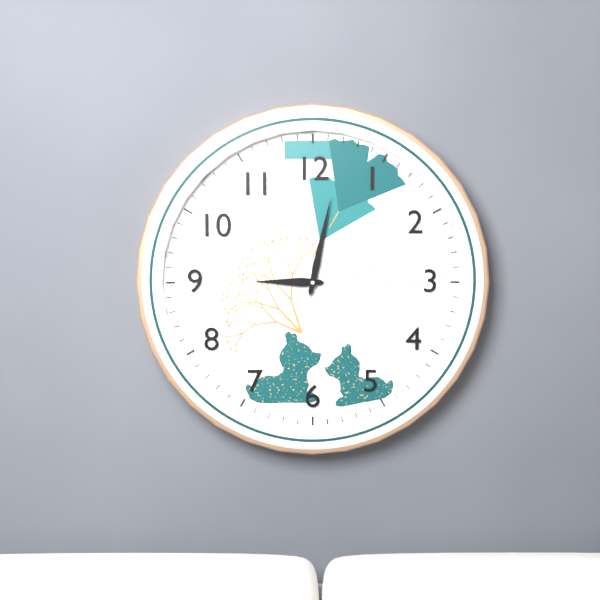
9.02
